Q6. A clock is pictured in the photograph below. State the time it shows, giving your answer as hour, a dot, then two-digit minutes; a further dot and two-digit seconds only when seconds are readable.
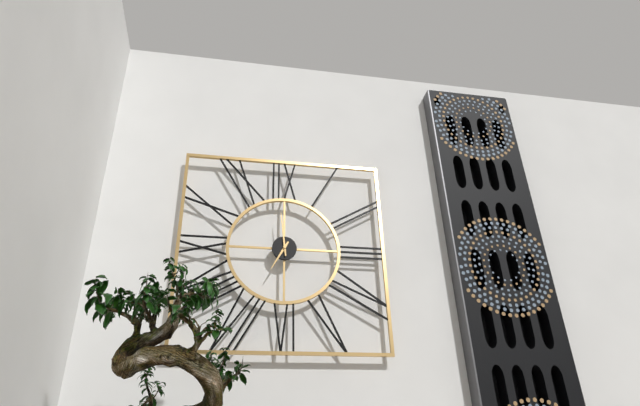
6.59
